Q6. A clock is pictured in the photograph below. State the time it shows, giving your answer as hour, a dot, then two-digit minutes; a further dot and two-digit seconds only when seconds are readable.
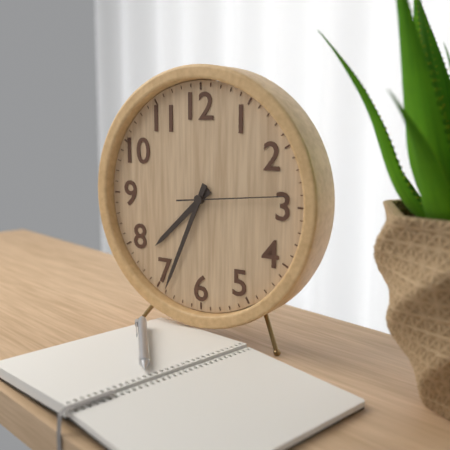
7.34.14
